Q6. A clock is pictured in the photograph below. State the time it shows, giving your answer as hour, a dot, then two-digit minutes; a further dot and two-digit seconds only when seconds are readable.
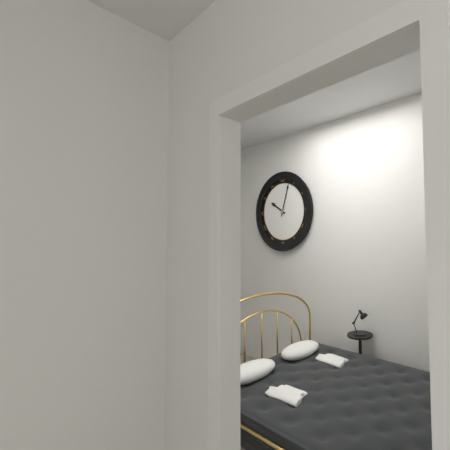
10.03
